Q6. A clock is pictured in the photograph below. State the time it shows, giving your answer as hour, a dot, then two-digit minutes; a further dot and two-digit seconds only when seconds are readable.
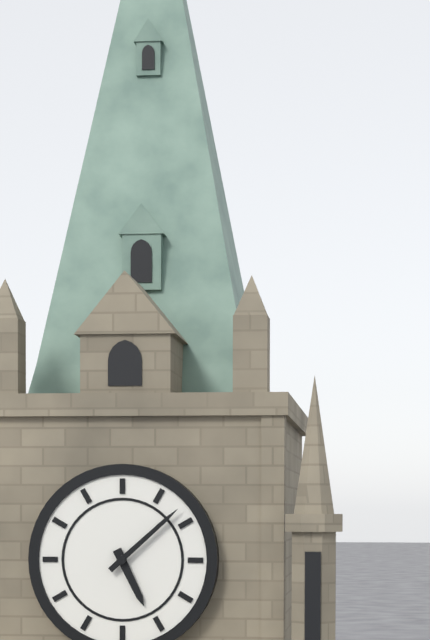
5.08
